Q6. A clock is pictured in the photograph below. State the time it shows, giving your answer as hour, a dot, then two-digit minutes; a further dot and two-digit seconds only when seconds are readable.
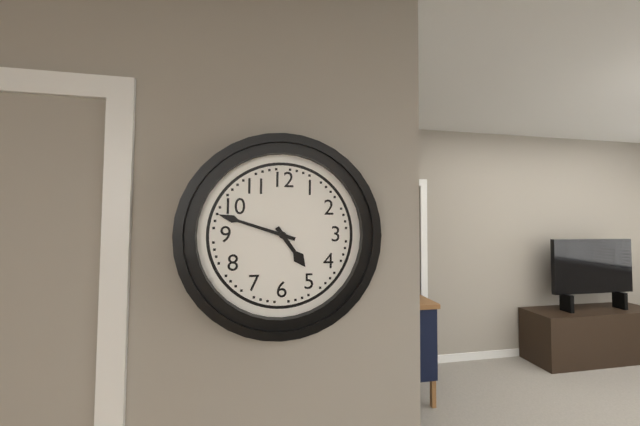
4.48
